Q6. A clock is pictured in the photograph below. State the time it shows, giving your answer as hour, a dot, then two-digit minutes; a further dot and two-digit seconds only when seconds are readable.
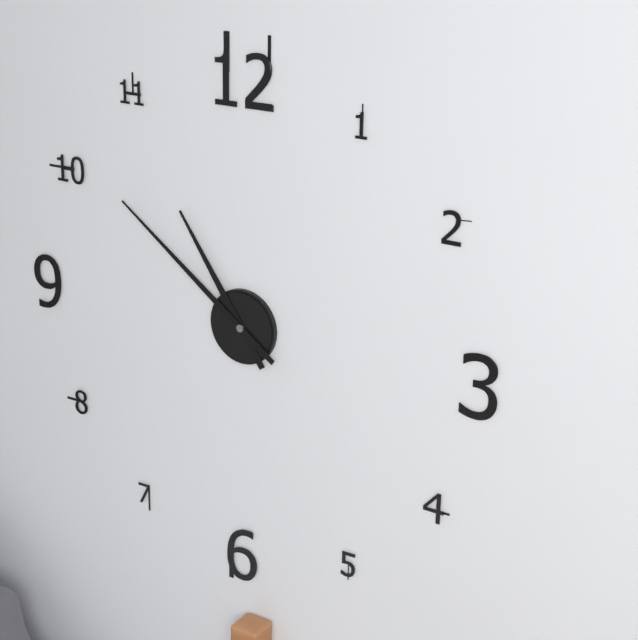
10.51
